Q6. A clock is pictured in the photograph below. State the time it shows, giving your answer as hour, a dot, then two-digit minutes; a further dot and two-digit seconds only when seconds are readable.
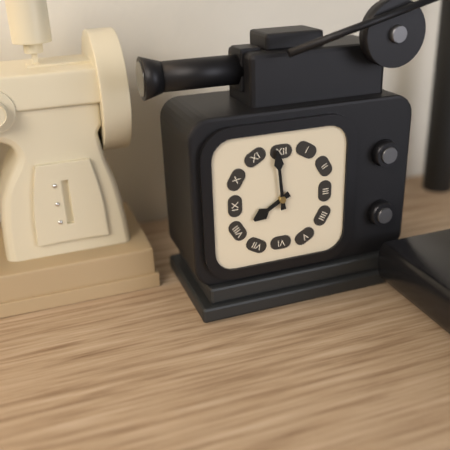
7.59
